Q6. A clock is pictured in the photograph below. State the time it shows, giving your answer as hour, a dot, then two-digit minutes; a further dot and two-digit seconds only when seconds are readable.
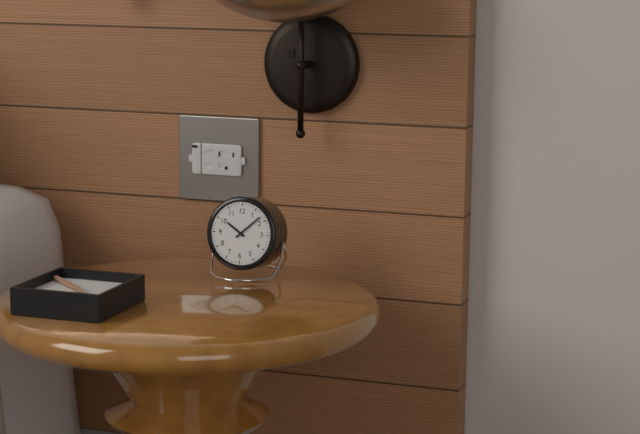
10.08
